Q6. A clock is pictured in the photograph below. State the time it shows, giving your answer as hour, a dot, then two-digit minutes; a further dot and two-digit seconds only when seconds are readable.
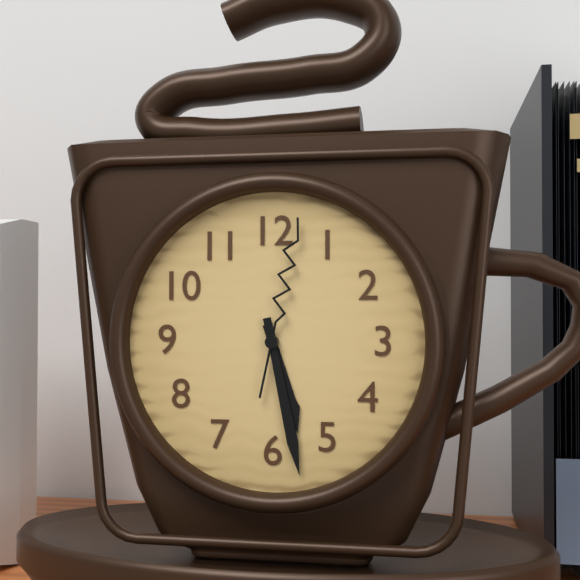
5.28.02
